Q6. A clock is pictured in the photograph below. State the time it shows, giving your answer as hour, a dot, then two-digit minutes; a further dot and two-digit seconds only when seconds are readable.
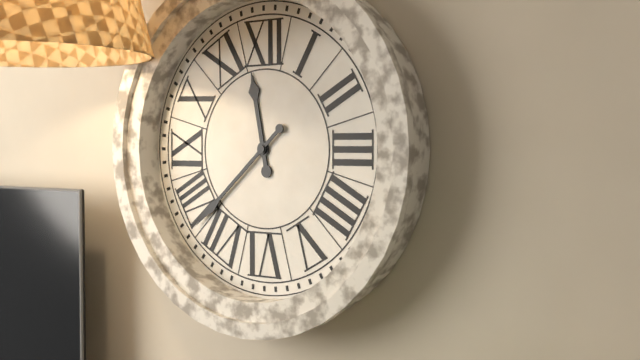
11.38
